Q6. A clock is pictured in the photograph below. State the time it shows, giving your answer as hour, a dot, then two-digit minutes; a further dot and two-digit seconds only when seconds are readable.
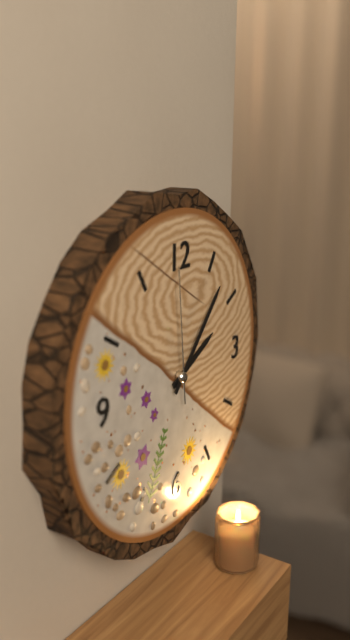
2.07.59
